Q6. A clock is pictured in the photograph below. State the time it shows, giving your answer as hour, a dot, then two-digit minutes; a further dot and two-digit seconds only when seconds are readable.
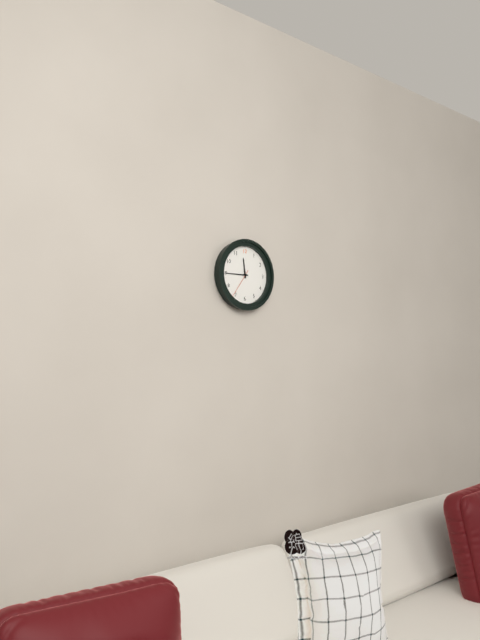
11.45
